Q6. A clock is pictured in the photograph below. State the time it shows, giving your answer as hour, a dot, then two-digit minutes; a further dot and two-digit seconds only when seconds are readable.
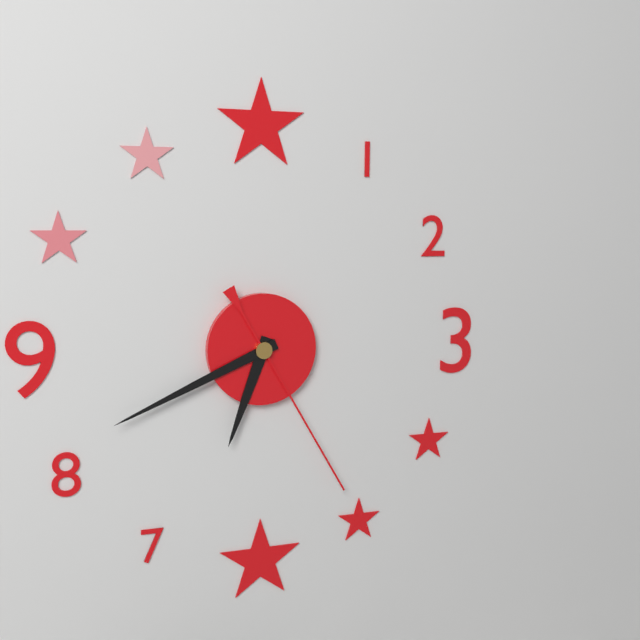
6.41.25
